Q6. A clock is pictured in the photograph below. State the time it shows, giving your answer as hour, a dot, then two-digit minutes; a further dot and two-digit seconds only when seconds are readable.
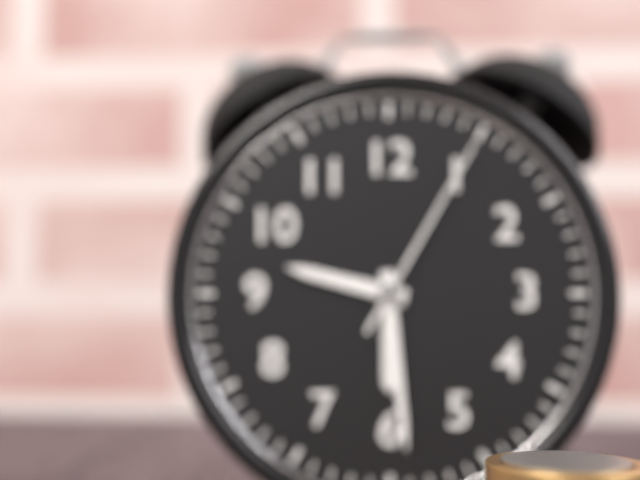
9.29.05
